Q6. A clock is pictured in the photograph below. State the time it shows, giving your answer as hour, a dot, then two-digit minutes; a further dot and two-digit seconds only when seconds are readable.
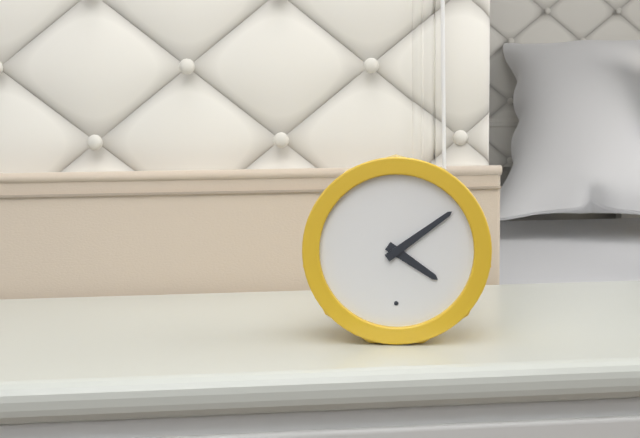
4.09
